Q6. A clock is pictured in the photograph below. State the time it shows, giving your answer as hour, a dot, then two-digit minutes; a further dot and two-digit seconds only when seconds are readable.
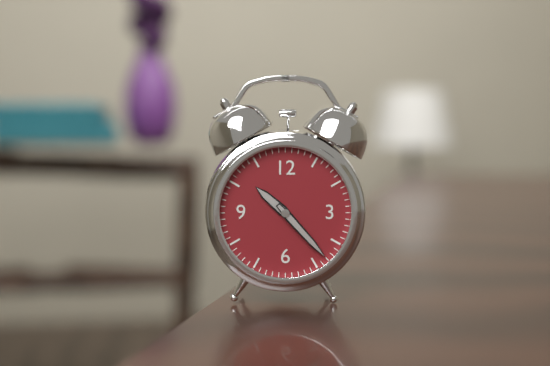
10.23
